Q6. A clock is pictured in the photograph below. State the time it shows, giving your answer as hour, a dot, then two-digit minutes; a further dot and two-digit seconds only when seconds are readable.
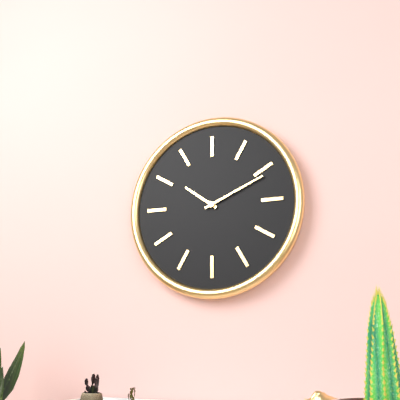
10.11
